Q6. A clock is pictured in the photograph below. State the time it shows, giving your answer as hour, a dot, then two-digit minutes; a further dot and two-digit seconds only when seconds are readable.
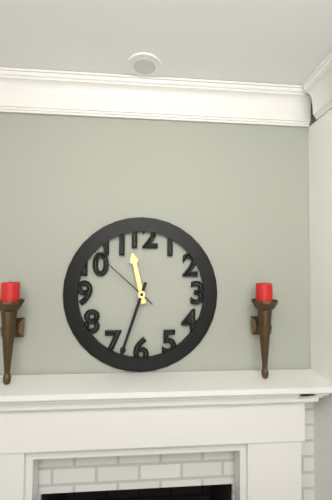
11.33.52
